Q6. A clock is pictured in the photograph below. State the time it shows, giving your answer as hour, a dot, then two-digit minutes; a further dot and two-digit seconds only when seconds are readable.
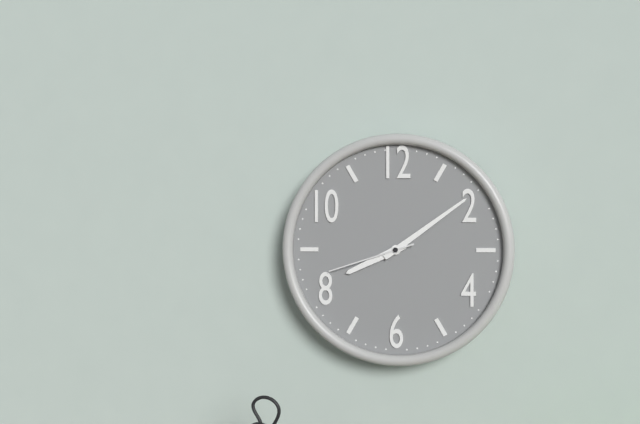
8.09.42
